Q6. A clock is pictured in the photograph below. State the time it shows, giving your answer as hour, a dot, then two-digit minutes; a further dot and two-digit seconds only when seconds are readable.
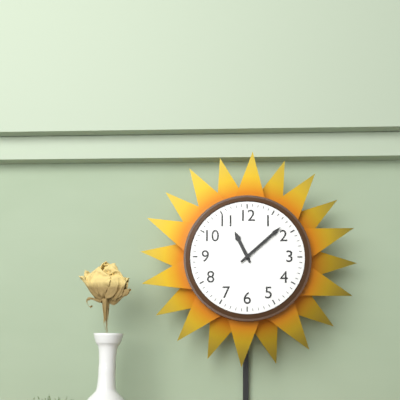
11.08
